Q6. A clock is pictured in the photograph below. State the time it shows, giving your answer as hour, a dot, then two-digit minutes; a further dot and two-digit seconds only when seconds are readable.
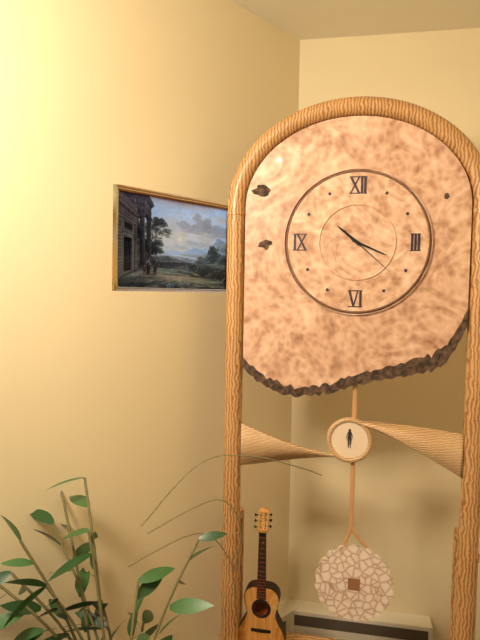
10.19.22
